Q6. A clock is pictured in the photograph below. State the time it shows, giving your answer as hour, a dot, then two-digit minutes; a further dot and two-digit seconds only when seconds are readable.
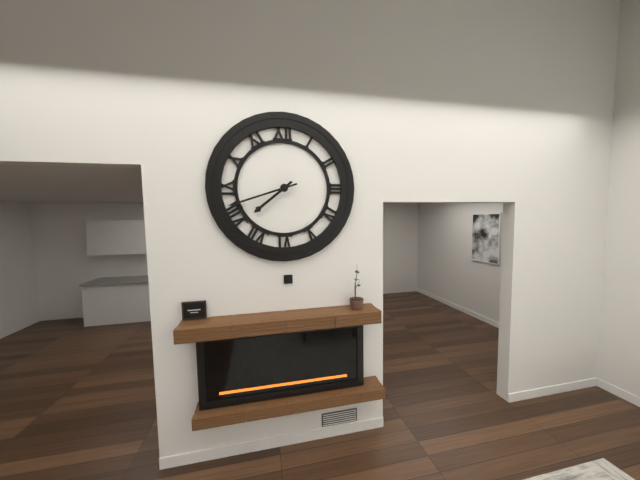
7.42
